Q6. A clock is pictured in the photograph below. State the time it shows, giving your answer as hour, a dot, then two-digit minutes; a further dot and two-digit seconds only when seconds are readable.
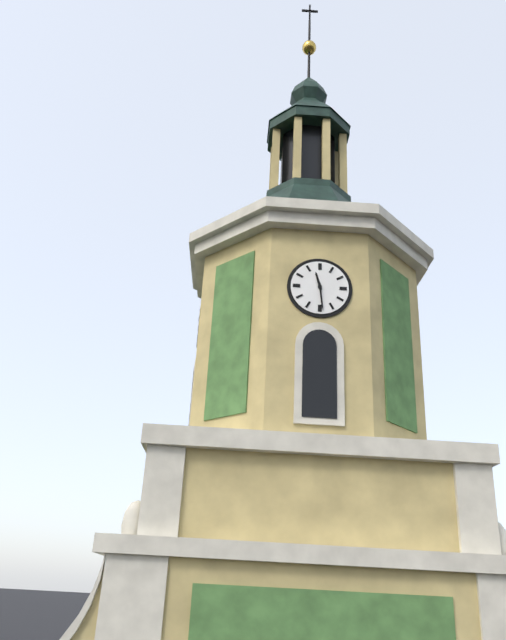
11.29
